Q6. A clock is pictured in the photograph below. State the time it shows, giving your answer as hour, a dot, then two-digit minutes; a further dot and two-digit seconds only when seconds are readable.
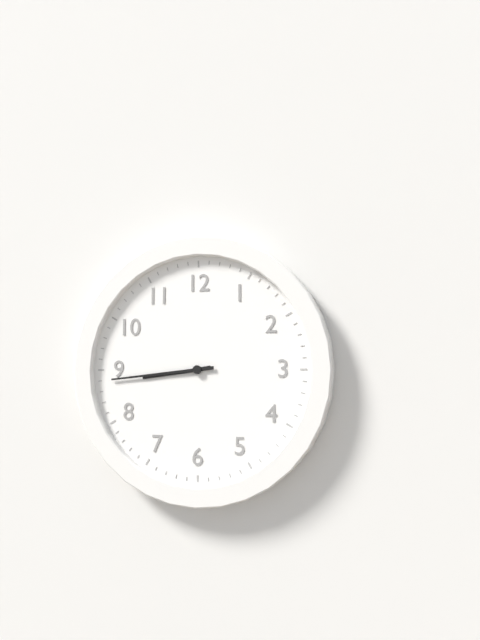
8.44
